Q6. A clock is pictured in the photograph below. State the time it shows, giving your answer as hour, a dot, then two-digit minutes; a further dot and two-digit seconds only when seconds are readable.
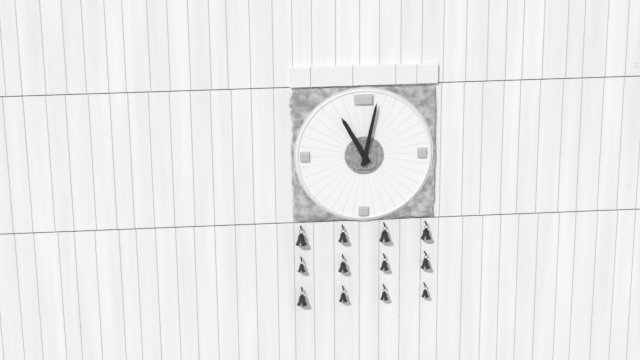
11.02
